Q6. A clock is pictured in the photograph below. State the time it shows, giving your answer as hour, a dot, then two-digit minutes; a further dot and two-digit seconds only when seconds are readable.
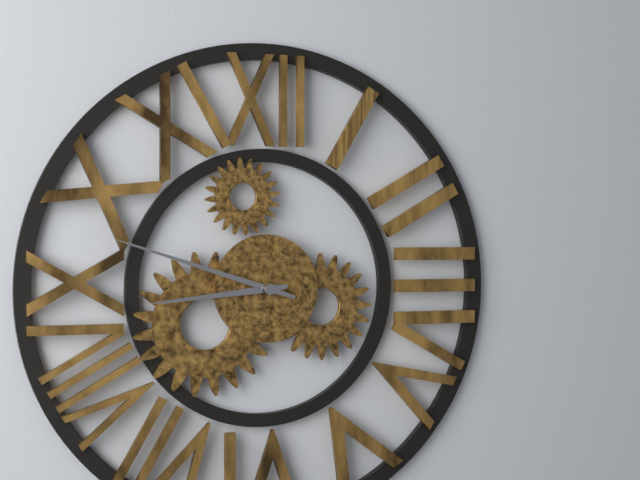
8.48
